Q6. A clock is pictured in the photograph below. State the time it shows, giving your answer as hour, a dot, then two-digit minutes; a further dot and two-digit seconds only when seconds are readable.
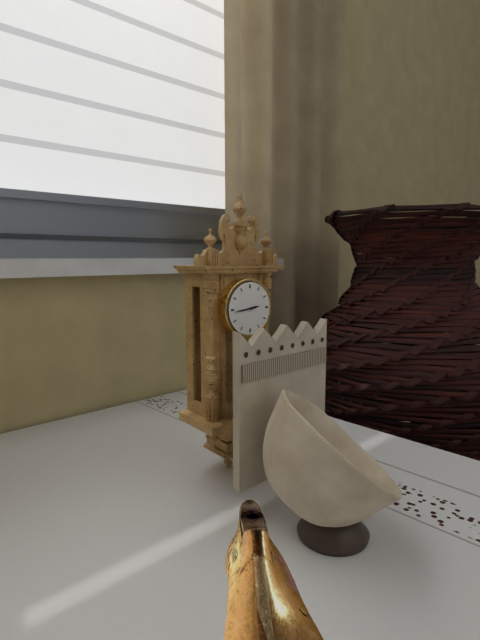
2.44
